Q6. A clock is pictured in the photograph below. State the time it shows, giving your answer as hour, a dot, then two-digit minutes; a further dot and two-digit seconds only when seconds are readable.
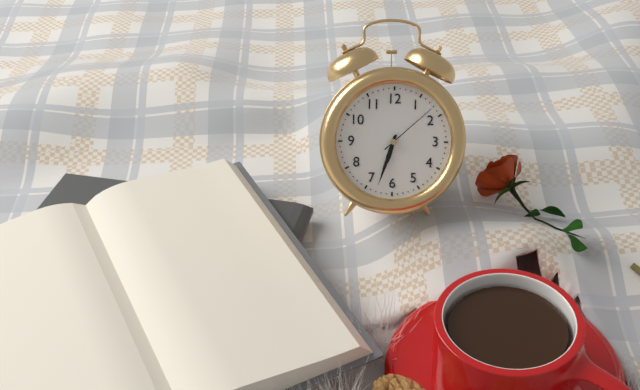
6.33.08
